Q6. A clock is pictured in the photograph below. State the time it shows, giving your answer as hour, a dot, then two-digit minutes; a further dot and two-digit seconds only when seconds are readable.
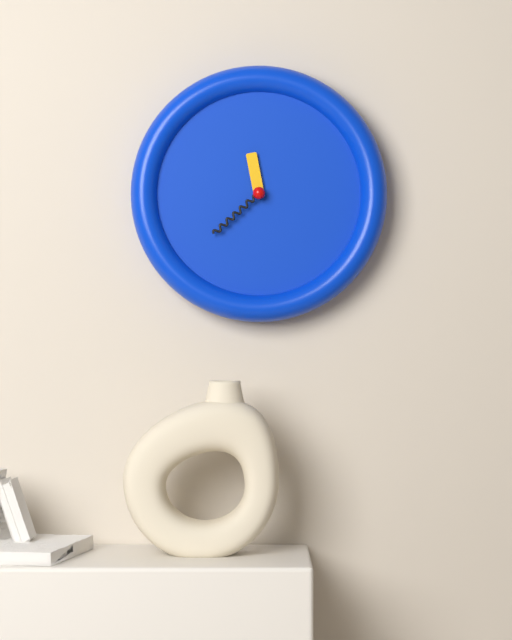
11.38
